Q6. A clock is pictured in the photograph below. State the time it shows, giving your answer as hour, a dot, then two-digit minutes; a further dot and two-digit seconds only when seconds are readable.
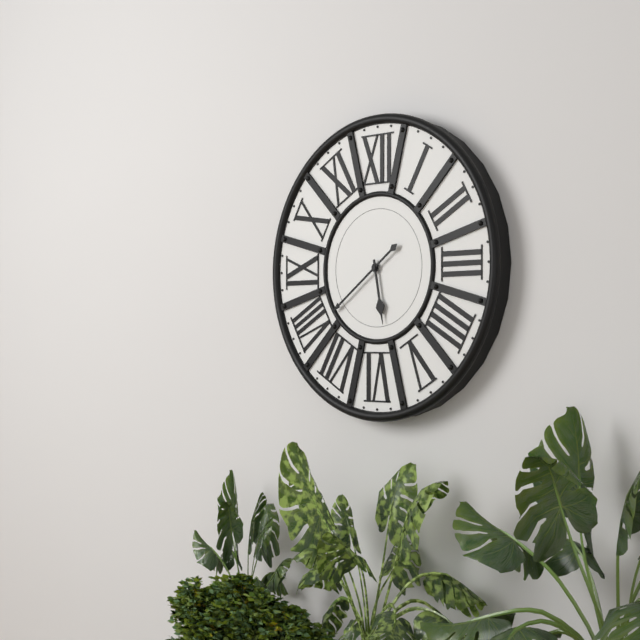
5.39
